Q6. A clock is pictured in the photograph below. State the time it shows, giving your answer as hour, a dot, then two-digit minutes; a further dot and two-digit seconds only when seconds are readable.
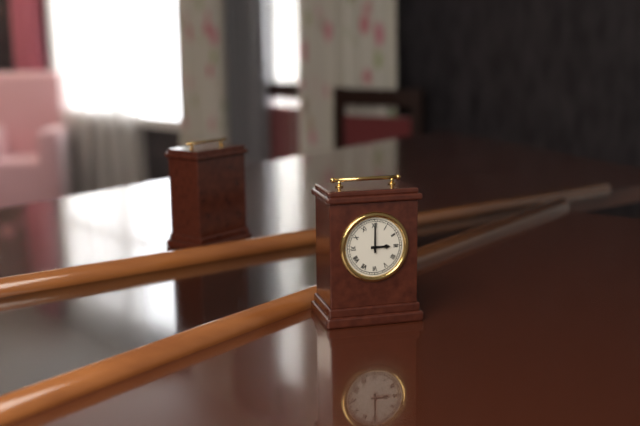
3.00
